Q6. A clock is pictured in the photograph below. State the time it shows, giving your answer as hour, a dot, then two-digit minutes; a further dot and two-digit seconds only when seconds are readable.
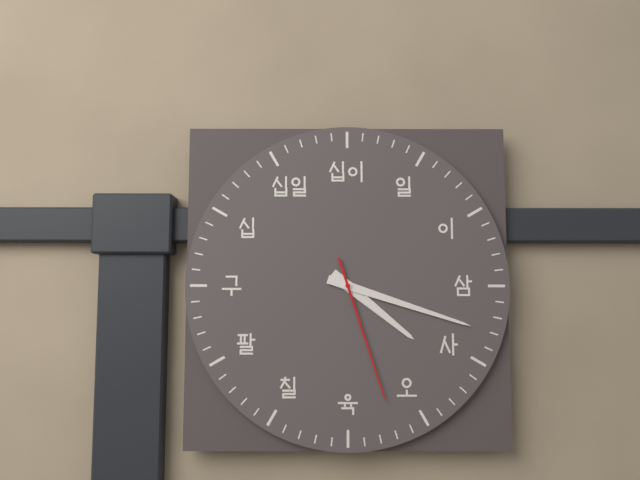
4.18.27
